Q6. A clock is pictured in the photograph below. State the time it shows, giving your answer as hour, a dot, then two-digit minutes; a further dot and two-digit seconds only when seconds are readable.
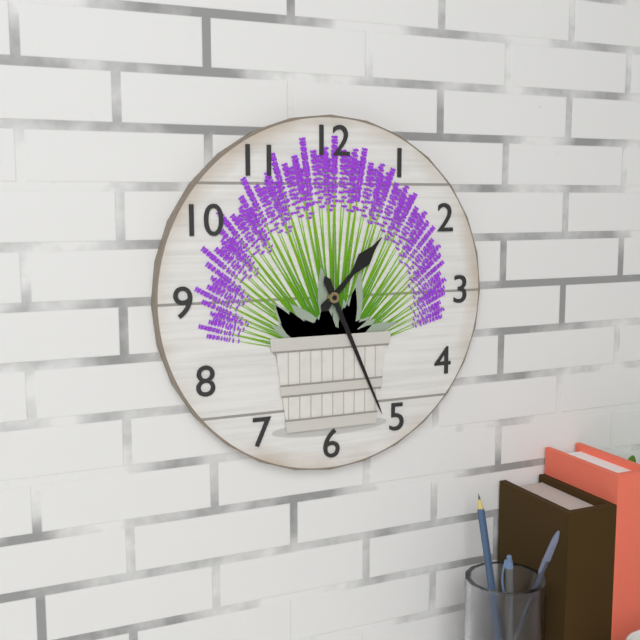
1.26
